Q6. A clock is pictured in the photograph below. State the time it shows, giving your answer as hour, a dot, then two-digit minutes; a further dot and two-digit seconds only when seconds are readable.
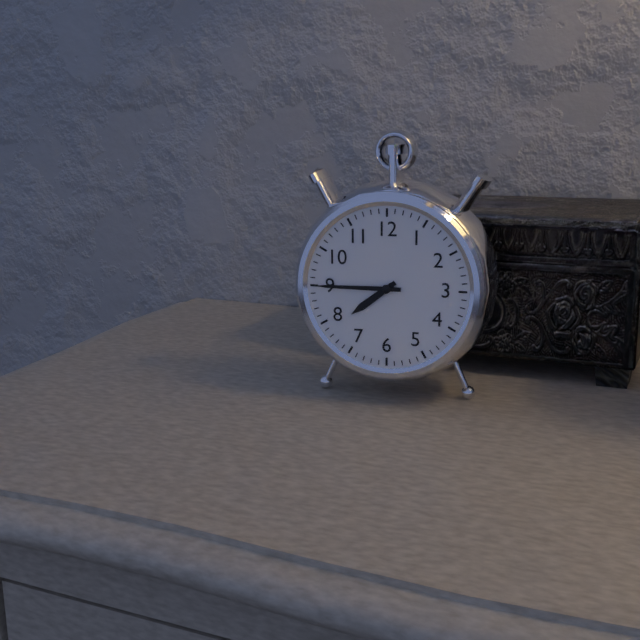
7.45
